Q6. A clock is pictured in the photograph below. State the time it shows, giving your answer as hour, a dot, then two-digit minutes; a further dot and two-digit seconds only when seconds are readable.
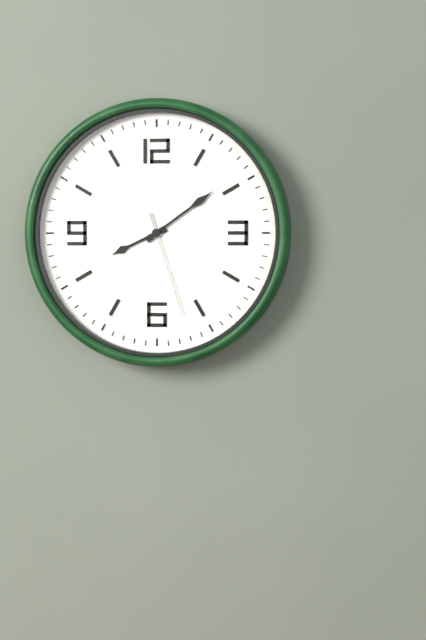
8.09.27
